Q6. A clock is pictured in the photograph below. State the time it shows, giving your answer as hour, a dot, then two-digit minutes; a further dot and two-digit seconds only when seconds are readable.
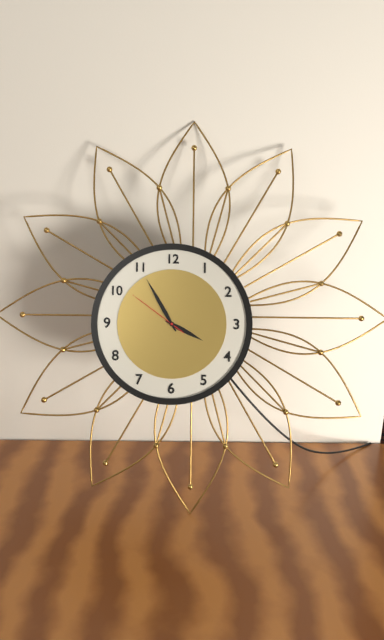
3.55.51
